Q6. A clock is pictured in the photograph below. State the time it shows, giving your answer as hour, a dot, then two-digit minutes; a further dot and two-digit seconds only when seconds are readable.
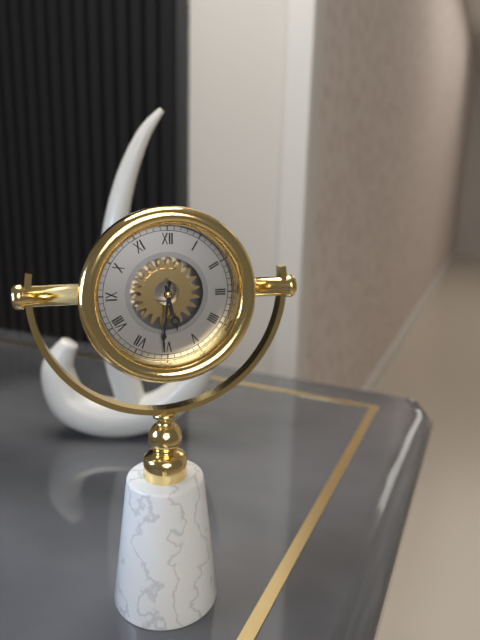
5.31
